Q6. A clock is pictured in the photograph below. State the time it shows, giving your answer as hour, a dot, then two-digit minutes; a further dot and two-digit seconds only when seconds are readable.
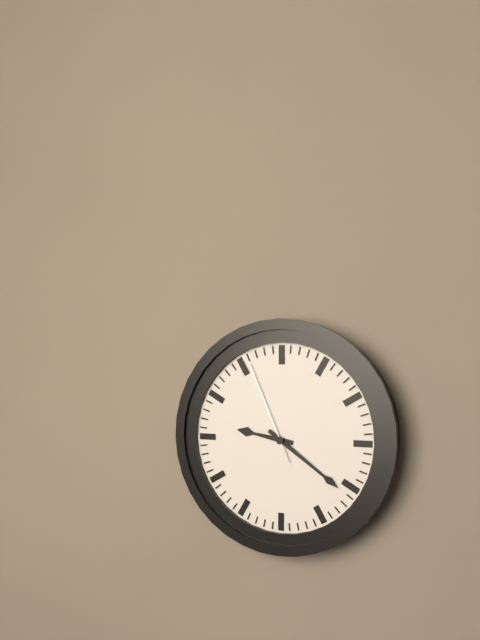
9.21.56
